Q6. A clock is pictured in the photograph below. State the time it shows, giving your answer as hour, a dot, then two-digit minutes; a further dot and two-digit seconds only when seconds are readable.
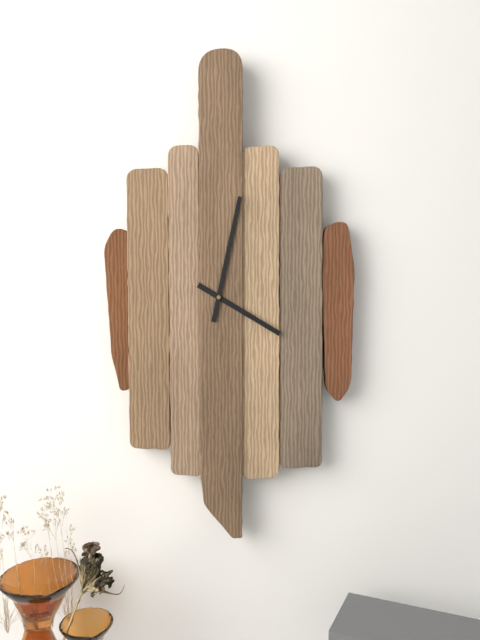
4.02
